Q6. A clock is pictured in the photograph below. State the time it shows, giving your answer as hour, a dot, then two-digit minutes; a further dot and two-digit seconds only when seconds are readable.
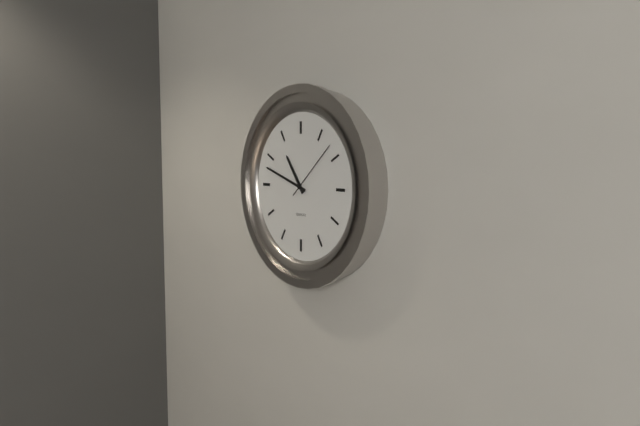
10.48.08
